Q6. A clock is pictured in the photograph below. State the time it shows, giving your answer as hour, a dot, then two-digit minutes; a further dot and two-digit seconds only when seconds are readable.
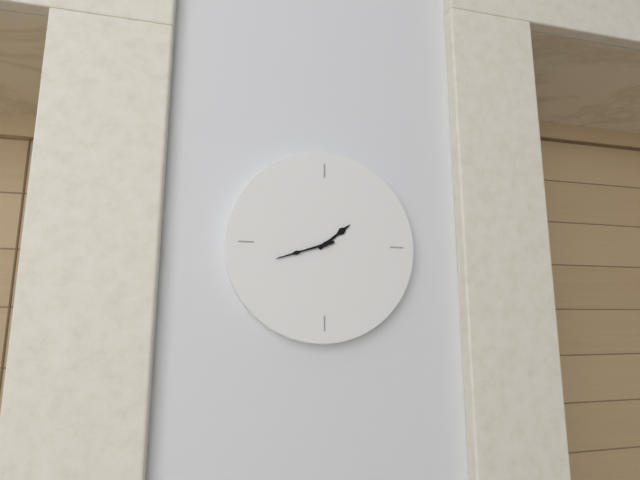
1.42
